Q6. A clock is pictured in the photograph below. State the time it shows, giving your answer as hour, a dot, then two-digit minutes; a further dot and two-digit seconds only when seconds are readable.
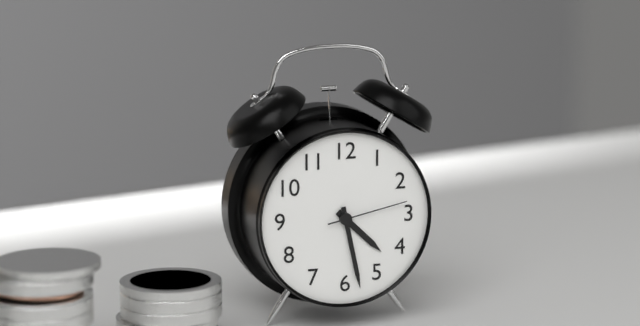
4.28.13
